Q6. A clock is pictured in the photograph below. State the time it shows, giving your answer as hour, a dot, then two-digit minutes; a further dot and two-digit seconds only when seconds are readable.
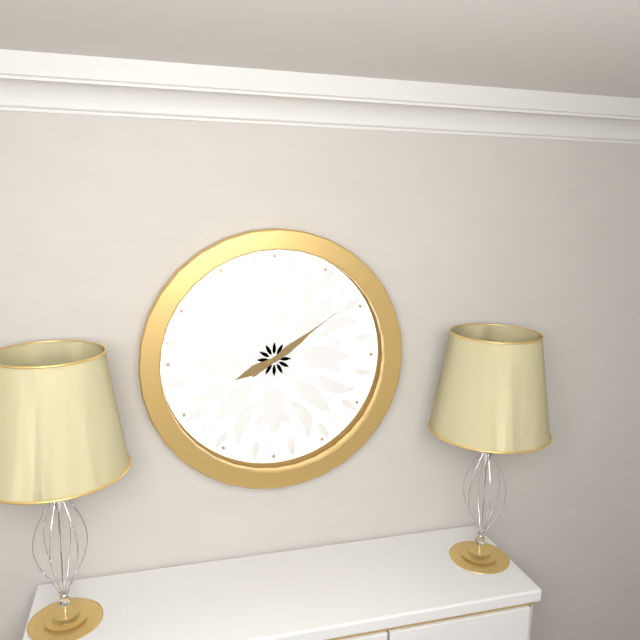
8.09
